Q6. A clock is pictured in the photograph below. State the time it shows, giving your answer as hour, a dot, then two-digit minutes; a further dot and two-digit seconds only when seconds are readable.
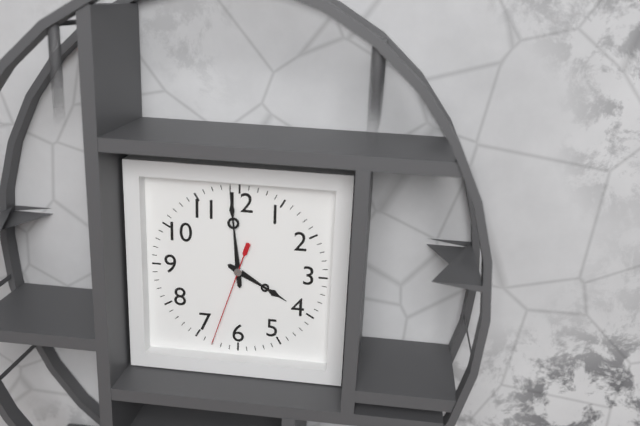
3.59.33
